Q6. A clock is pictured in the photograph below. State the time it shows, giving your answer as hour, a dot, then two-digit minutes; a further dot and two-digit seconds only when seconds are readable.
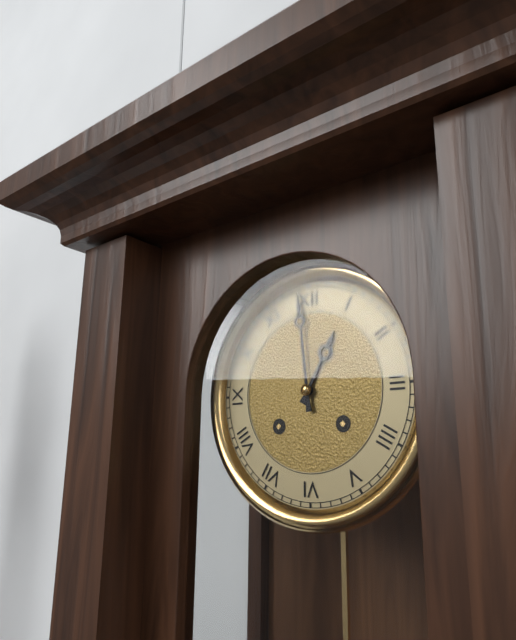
12.59
